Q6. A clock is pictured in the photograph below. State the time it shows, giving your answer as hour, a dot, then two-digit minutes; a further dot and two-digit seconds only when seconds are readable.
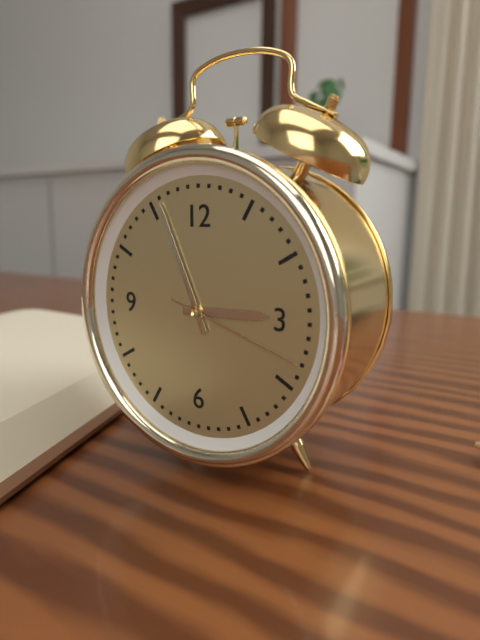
2.56.18
